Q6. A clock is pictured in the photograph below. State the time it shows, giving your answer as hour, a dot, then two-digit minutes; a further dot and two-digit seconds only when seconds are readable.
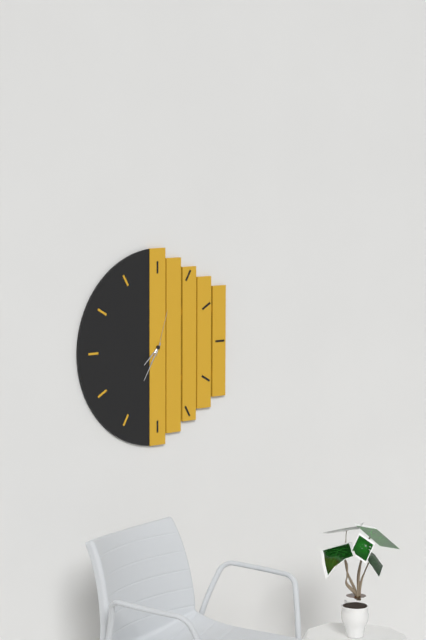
7.35
